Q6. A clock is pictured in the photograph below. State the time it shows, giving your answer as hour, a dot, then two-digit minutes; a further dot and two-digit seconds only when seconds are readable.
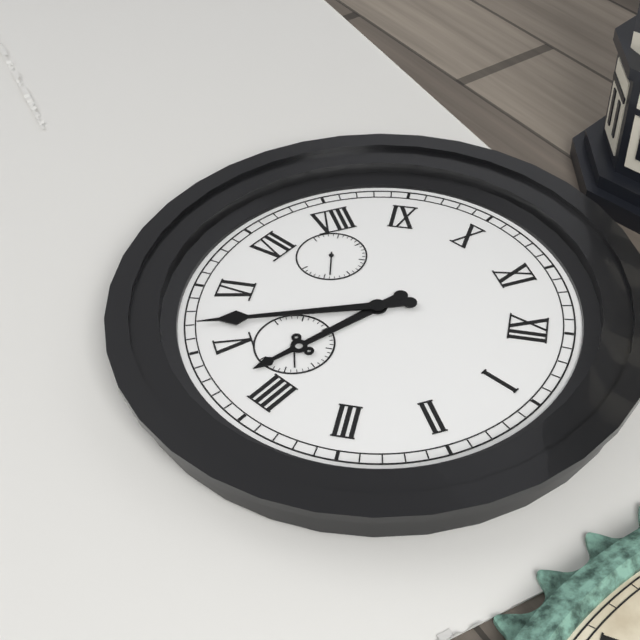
4.27
